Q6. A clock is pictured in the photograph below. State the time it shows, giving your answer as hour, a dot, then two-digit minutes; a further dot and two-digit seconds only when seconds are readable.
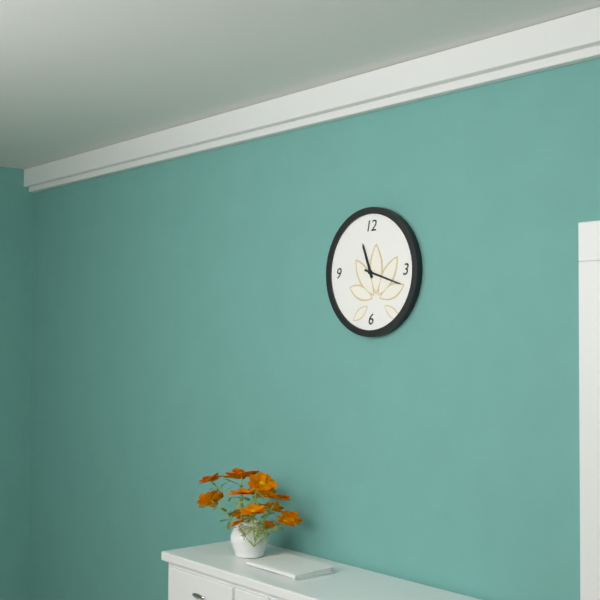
11.18
